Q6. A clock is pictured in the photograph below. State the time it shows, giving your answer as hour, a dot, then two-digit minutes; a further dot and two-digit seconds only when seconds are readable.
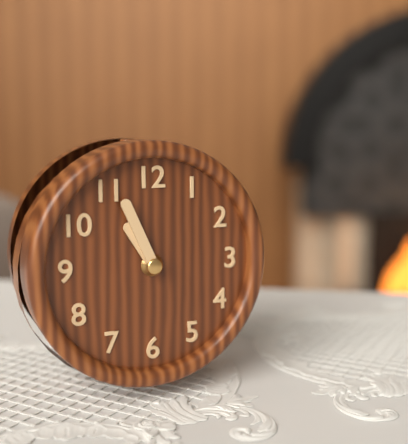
10.56
